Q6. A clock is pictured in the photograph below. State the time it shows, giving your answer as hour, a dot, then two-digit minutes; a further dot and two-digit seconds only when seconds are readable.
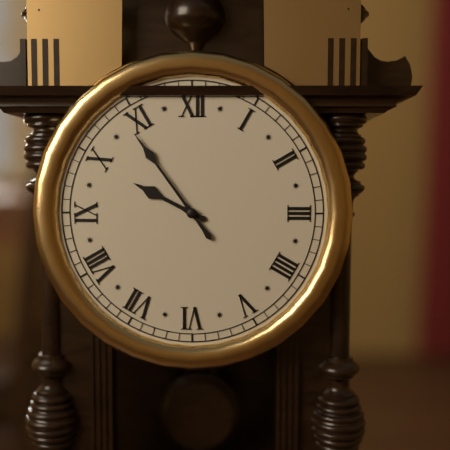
9.54
